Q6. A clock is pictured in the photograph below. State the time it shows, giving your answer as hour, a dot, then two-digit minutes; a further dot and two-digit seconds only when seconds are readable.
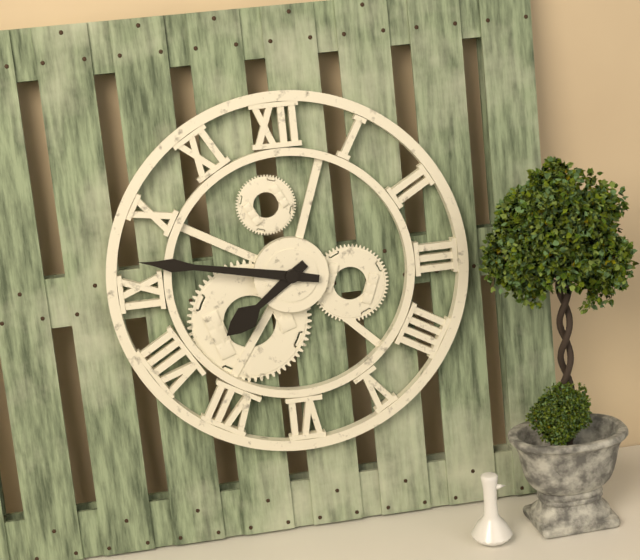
7.47
